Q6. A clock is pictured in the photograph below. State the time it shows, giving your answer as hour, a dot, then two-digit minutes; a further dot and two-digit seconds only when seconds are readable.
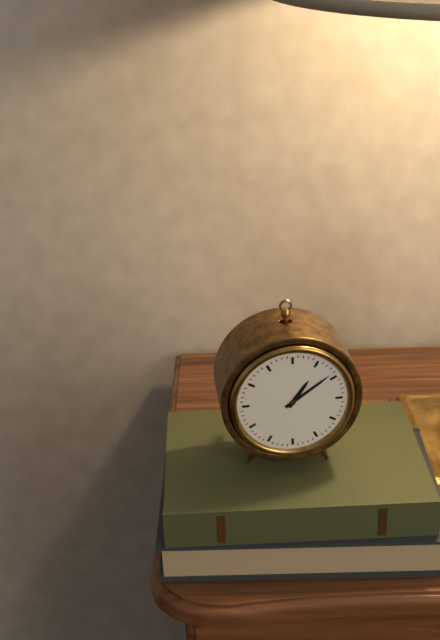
1.09
